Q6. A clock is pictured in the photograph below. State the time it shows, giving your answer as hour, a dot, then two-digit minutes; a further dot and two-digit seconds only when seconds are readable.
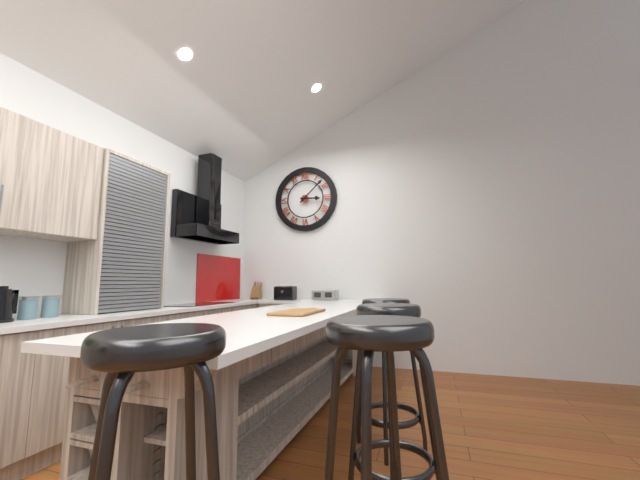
3.08
